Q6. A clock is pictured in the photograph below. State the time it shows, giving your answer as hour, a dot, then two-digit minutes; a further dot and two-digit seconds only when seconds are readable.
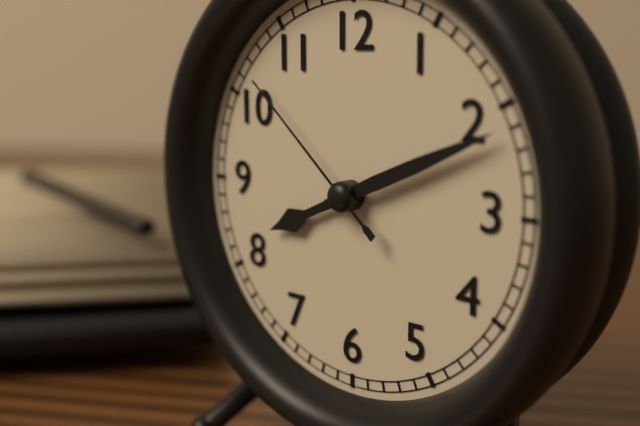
8.11.52
